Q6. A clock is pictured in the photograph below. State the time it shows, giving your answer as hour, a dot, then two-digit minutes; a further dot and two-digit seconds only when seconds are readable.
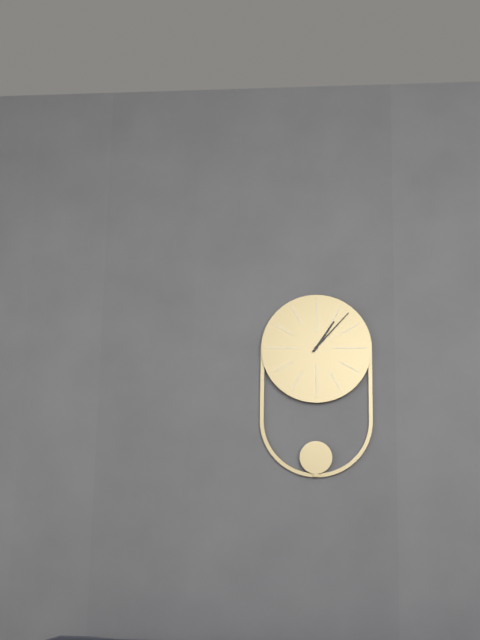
1.07
